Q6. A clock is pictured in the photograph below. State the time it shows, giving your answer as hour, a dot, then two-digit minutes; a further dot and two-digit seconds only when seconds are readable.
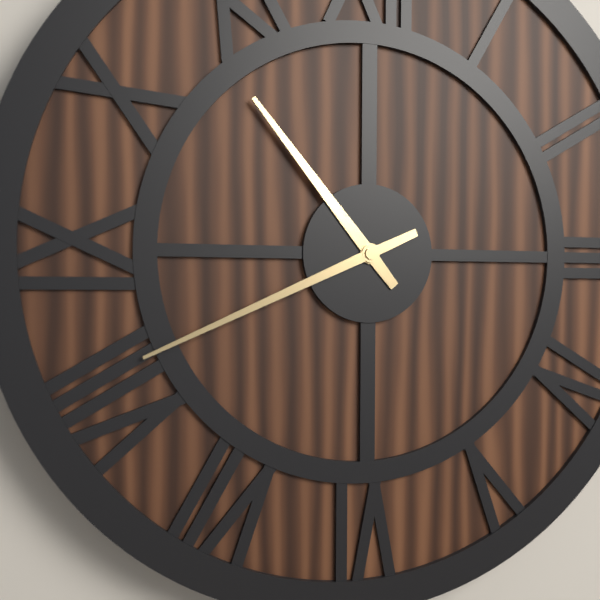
10.41
